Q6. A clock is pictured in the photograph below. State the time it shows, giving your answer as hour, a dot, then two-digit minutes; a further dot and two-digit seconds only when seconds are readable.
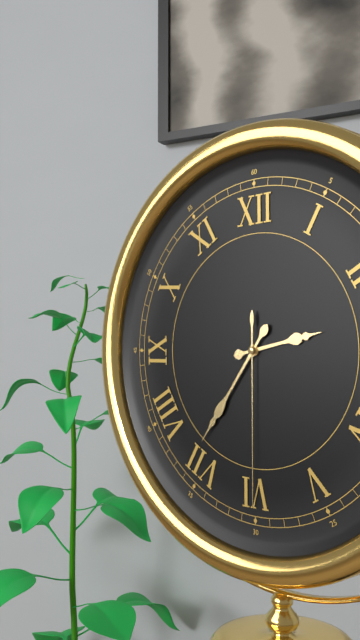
2.36.30
